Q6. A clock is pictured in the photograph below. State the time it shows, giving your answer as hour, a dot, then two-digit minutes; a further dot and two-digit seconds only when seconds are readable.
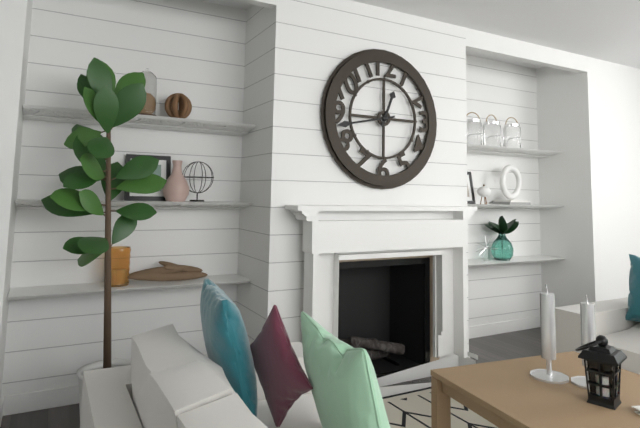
12.43
